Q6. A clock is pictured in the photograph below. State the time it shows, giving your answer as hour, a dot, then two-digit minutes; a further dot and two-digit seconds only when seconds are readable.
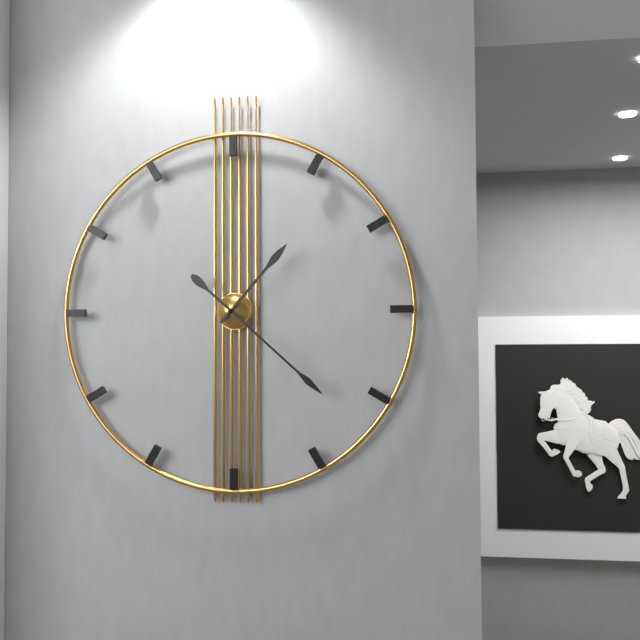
1.22
